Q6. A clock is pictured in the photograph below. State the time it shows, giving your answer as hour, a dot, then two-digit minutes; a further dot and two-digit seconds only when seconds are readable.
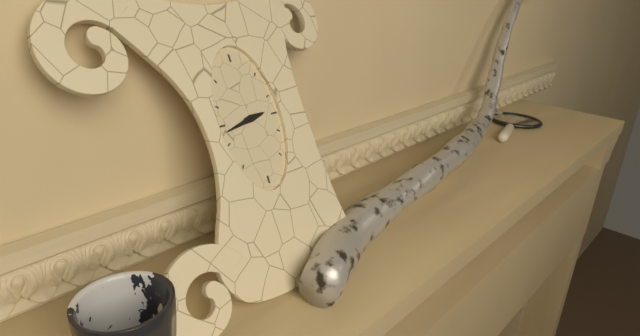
2.43
